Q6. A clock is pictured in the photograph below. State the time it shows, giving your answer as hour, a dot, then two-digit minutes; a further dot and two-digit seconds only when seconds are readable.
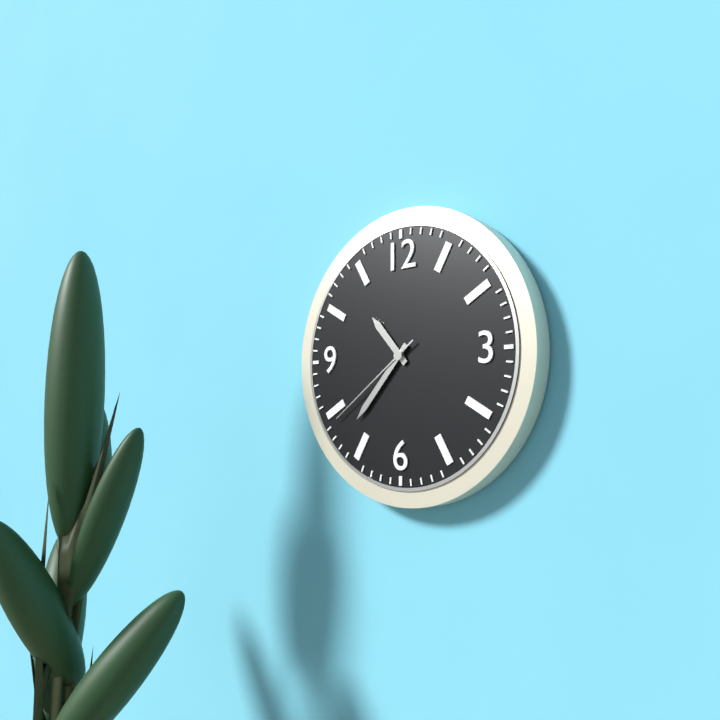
10.37.39
